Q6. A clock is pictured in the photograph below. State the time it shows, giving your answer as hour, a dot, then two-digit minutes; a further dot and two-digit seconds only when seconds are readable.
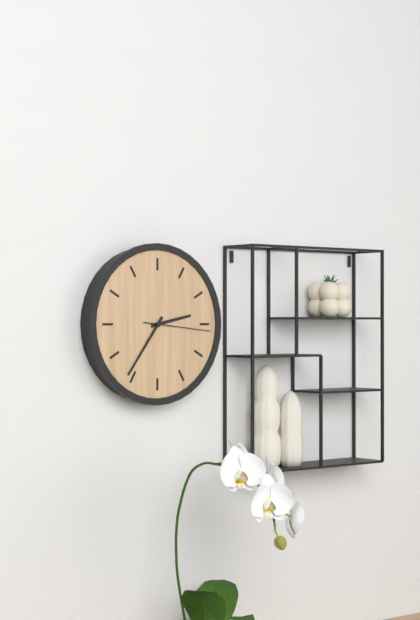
2.36.16
